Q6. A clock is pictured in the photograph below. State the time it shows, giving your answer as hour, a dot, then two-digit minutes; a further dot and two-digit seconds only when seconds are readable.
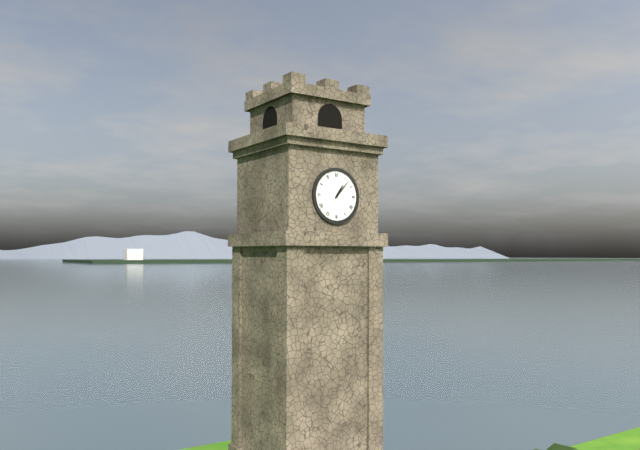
1.07
